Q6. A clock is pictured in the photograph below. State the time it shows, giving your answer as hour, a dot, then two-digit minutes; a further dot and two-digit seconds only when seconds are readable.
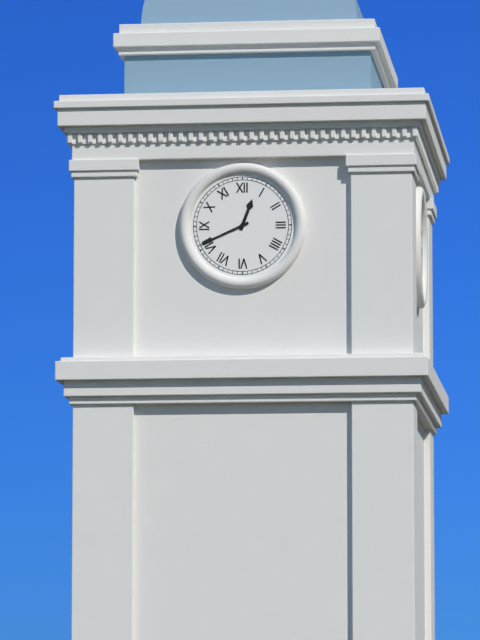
12.41
